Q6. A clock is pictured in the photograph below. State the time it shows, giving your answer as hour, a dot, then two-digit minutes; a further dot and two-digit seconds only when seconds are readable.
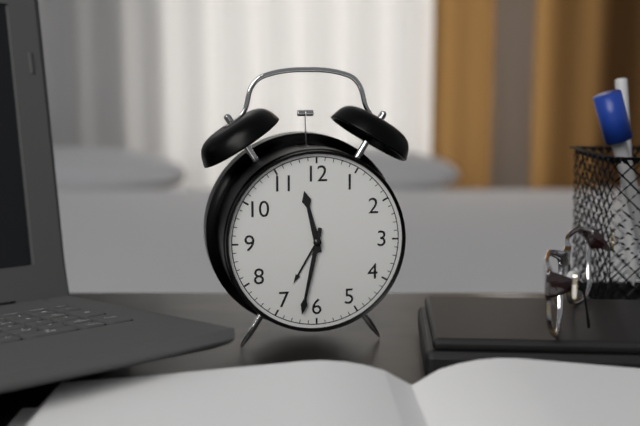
11.32
